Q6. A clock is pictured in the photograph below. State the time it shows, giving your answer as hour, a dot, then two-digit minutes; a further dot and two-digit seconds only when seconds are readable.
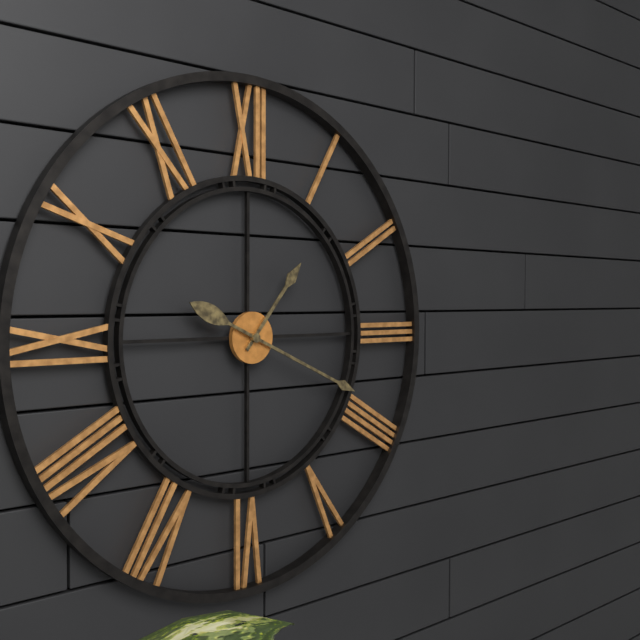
1.19
